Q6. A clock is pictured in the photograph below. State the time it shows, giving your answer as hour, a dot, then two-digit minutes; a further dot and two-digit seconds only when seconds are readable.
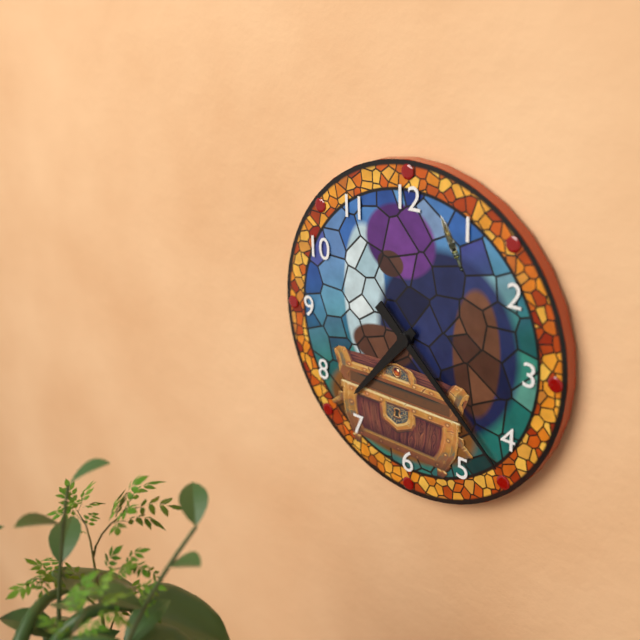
7.22
